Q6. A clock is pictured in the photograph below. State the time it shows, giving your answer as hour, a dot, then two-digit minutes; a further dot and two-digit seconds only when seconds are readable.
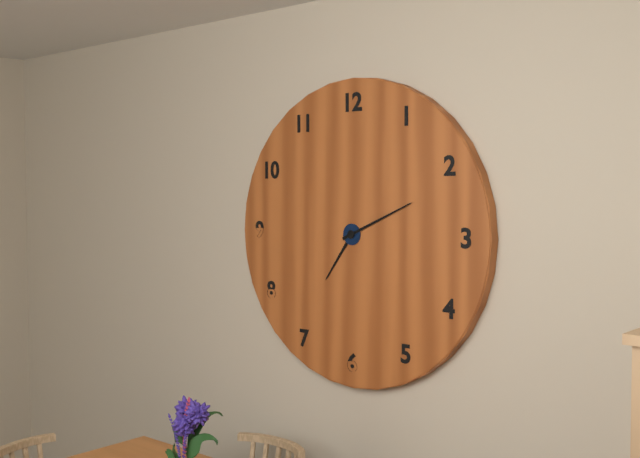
7.11
